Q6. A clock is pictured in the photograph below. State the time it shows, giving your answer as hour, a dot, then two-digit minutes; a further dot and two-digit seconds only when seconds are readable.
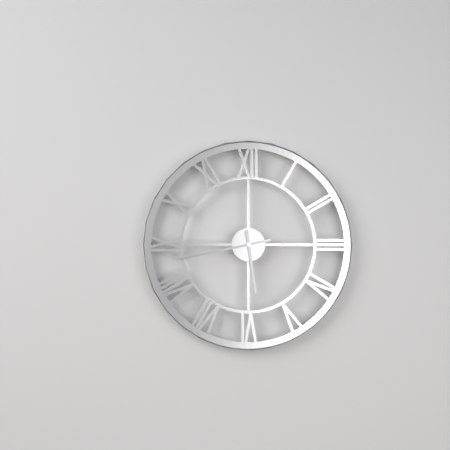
5.43
